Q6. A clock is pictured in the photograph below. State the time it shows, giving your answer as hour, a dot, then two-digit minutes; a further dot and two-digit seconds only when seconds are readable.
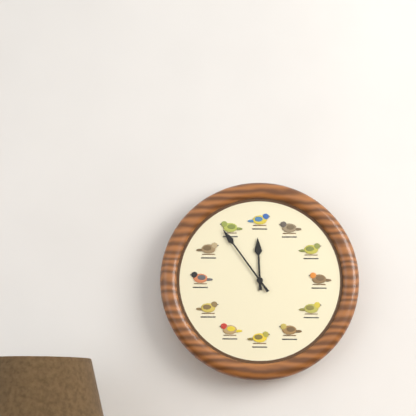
11.54
